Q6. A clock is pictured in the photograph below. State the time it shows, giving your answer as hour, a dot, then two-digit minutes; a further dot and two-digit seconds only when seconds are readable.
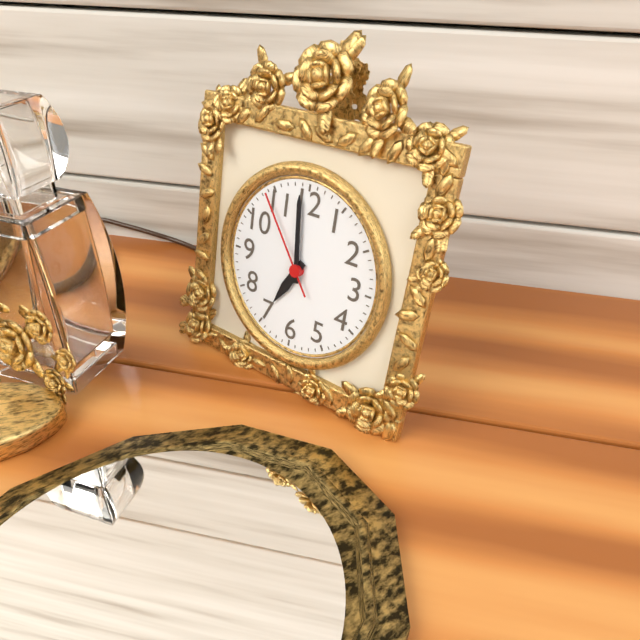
6.59.54
